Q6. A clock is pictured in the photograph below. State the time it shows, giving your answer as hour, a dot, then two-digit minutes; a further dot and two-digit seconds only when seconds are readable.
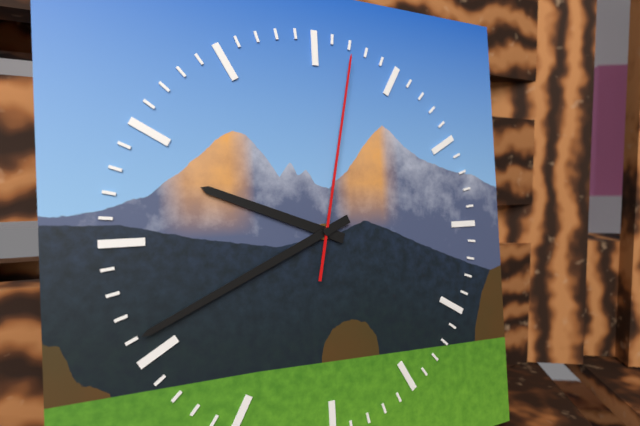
9.41.02
